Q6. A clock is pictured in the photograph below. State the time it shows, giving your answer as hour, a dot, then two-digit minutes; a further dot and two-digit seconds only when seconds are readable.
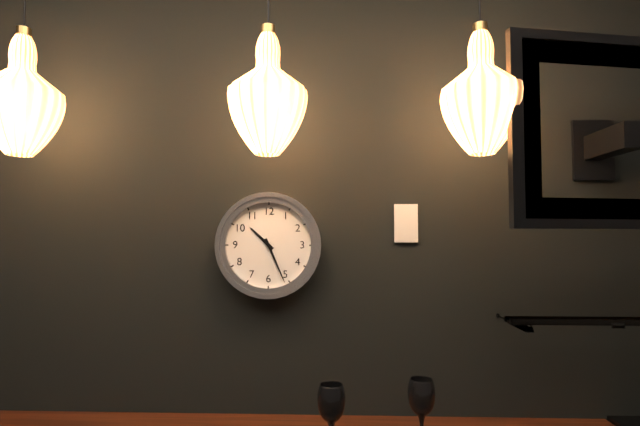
10.26
